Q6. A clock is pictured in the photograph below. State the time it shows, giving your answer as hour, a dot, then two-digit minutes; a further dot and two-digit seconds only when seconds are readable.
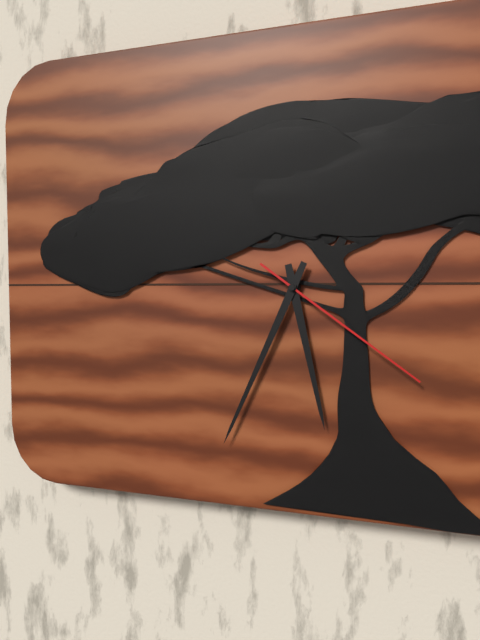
5.34.21
